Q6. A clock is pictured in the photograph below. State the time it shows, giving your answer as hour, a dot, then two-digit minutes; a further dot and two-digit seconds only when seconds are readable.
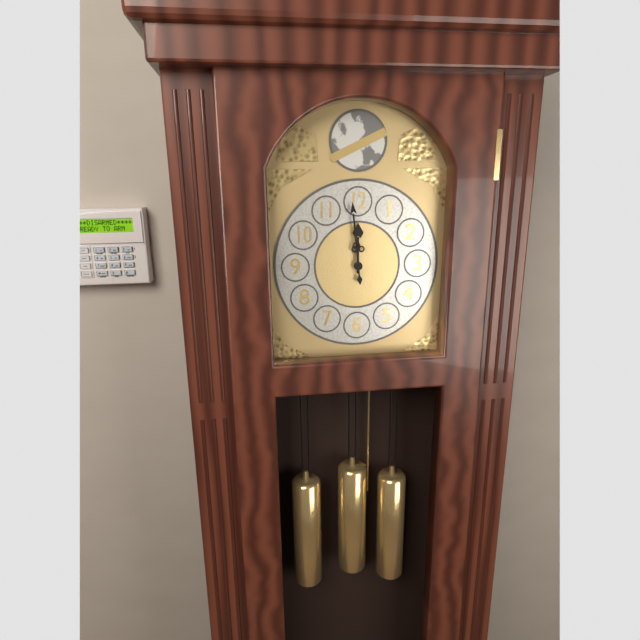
11.59
